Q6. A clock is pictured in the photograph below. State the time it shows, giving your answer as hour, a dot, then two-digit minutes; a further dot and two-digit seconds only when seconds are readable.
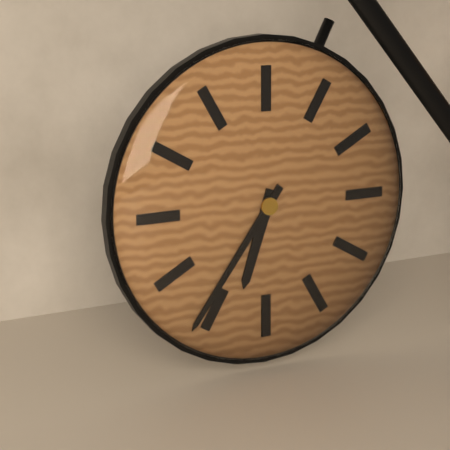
6.36
